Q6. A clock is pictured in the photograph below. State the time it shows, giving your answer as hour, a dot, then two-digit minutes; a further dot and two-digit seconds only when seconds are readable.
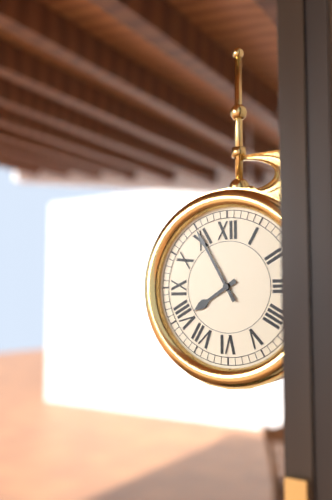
7.55
